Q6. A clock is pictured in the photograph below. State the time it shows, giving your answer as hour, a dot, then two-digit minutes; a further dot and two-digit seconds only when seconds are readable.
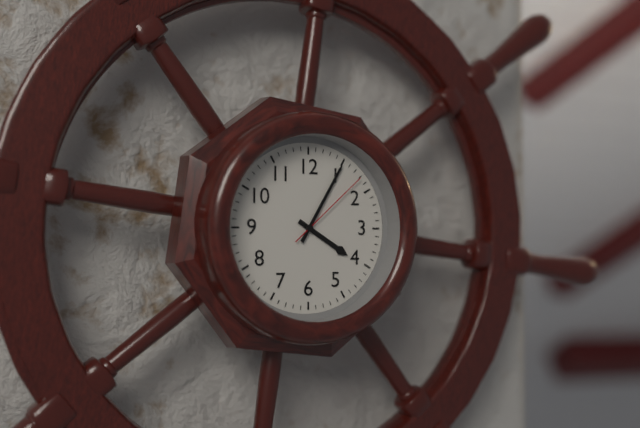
4.05.08
